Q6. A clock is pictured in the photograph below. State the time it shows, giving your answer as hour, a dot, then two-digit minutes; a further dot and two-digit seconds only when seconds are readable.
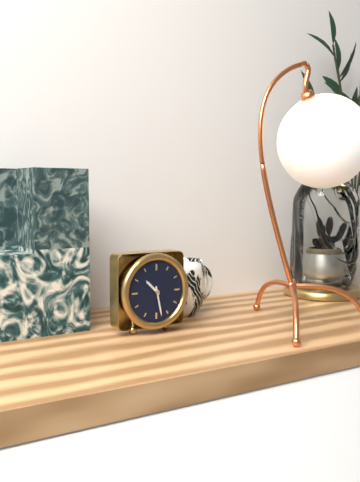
10.28
